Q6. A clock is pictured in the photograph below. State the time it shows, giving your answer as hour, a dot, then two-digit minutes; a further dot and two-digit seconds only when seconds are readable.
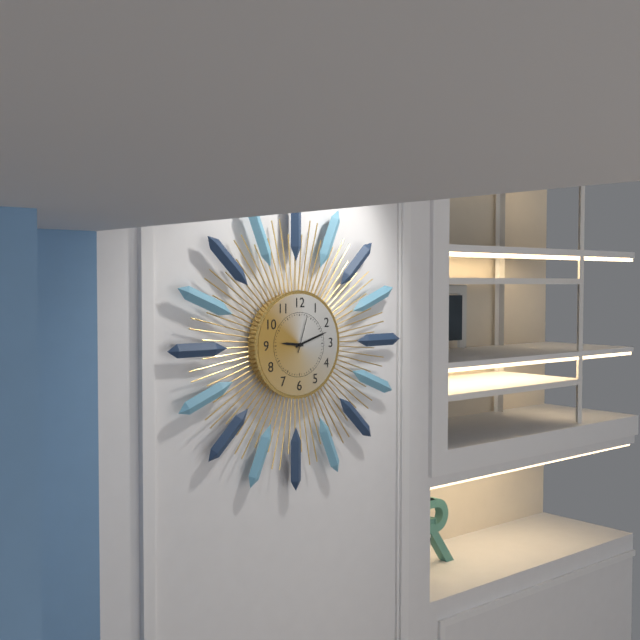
9.12
